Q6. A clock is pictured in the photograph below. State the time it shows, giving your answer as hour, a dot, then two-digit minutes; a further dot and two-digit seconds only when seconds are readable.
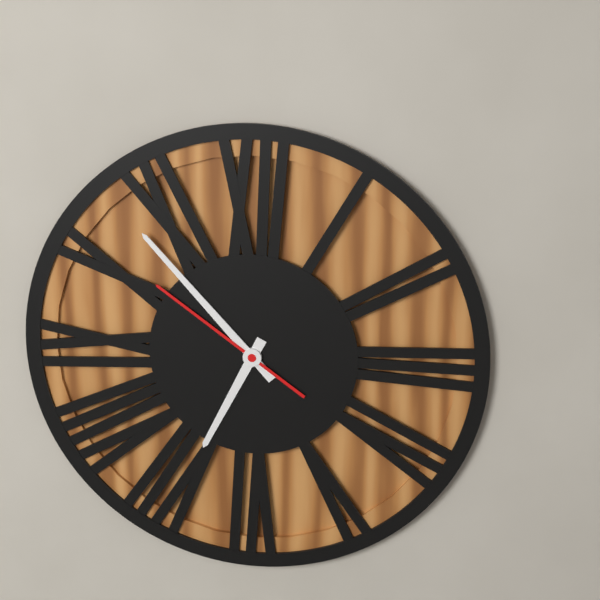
6.53.51
